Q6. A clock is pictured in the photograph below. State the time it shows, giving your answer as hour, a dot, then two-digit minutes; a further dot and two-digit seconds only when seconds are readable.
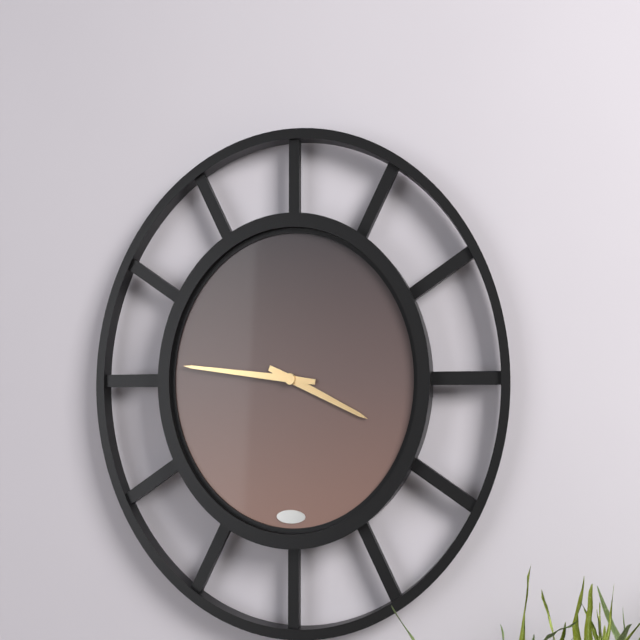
3.46
